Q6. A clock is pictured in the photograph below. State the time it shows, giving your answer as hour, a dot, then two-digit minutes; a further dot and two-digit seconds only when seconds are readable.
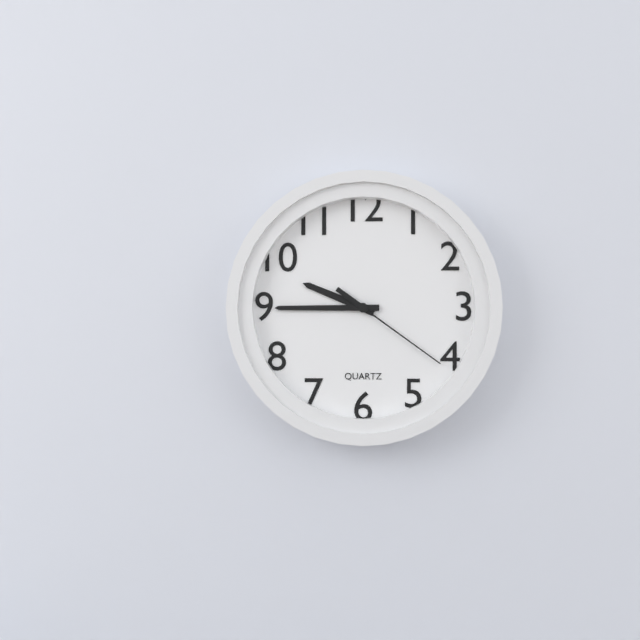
9.45.21
